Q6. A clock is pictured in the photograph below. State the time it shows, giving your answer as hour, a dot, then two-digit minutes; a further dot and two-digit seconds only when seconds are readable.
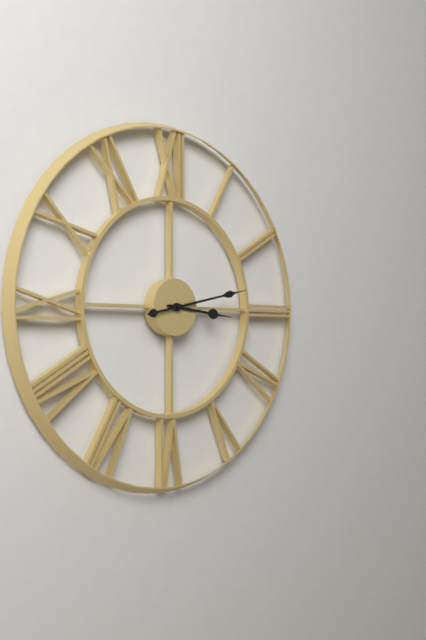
3.13
